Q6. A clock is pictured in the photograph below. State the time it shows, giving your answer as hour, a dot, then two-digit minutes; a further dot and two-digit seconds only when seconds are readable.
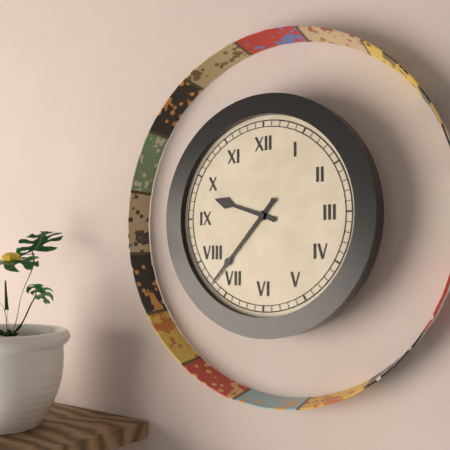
9.37
